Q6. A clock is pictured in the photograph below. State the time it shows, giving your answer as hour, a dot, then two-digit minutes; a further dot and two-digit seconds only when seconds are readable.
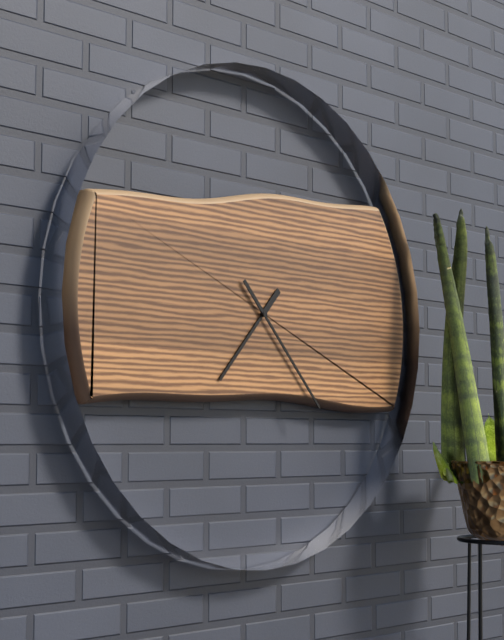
7.23
